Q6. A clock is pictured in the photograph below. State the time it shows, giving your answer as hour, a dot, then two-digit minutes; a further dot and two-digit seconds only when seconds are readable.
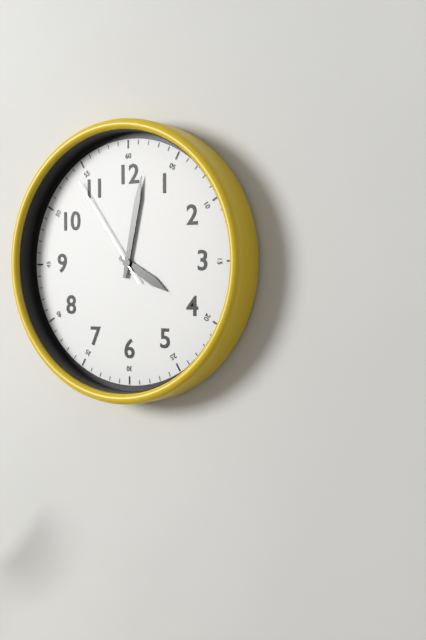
4.02.54
